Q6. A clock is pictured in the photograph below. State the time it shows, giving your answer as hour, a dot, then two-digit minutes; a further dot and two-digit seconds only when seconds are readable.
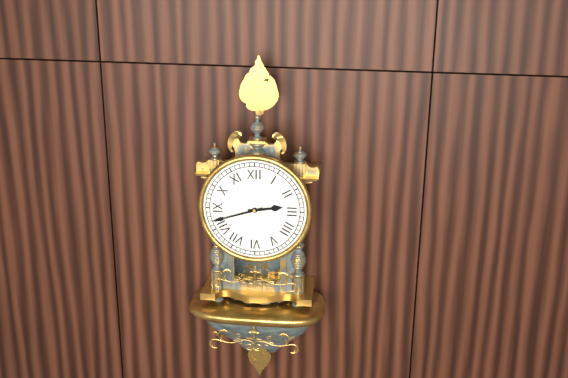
2.42
